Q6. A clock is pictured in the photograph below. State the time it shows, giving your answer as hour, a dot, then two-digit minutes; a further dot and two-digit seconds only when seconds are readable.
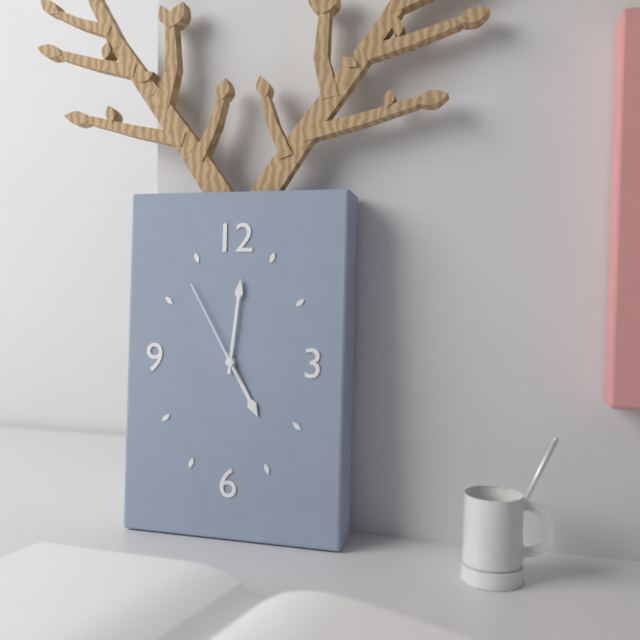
5.01.55
